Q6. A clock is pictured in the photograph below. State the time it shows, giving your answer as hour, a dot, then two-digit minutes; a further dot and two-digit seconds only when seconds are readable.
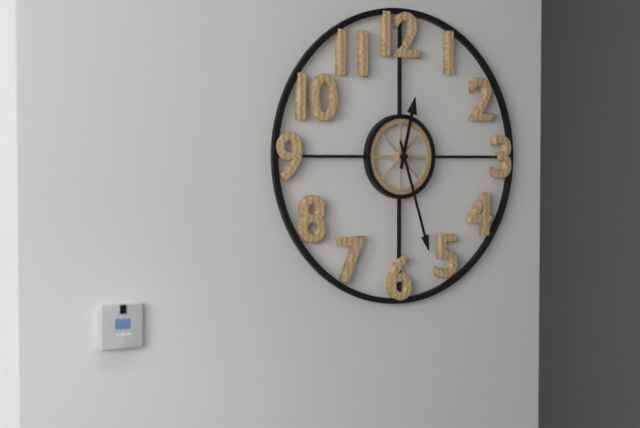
12.27
